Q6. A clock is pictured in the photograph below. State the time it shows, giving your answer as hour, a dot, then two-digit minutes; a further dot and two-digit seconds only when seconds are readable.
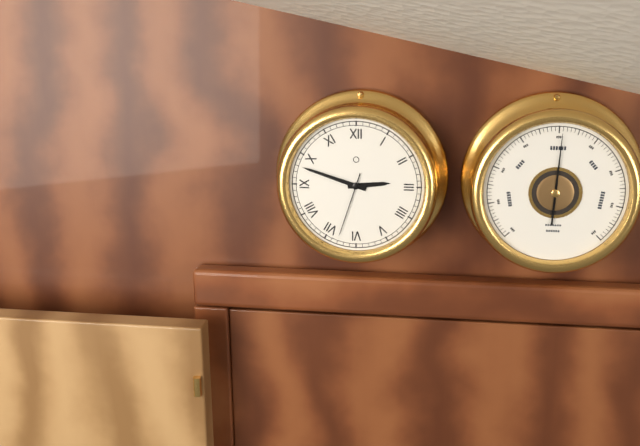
2.48.33
